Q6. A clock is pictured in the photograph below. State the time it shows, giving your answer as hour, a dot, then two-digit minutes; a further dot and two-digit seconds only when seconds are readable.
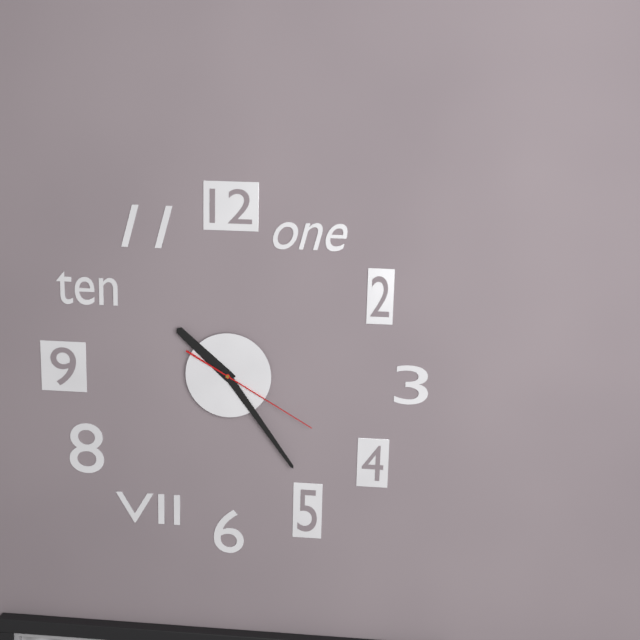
10.24.20
